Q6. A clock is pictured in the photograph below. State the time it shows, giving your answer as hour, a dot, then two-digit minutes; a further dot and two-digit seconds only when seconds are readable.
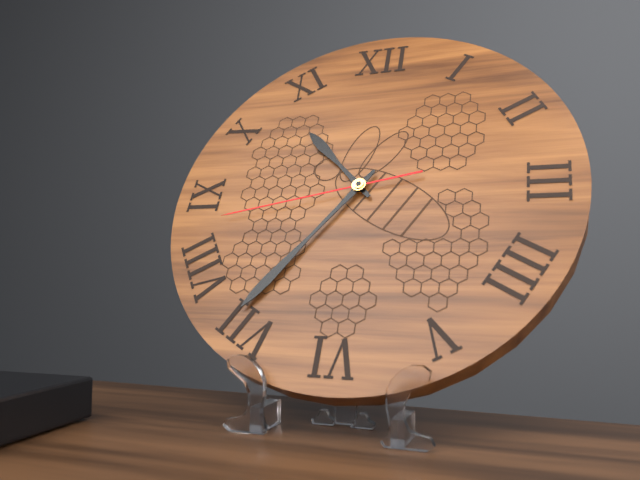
10.36.43
